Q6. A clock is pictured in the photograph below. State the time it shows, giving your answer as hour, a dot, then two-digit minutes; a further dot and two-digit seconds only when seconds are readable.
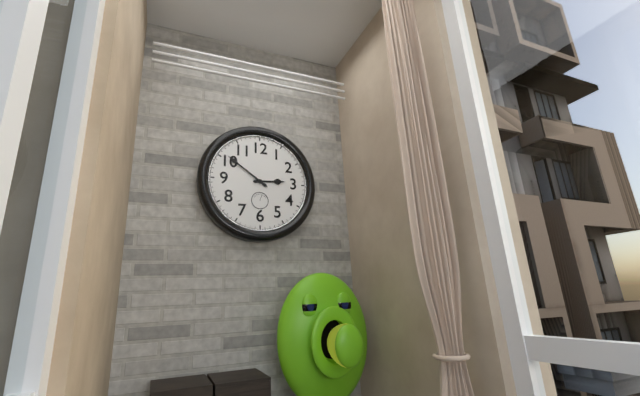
2.51
